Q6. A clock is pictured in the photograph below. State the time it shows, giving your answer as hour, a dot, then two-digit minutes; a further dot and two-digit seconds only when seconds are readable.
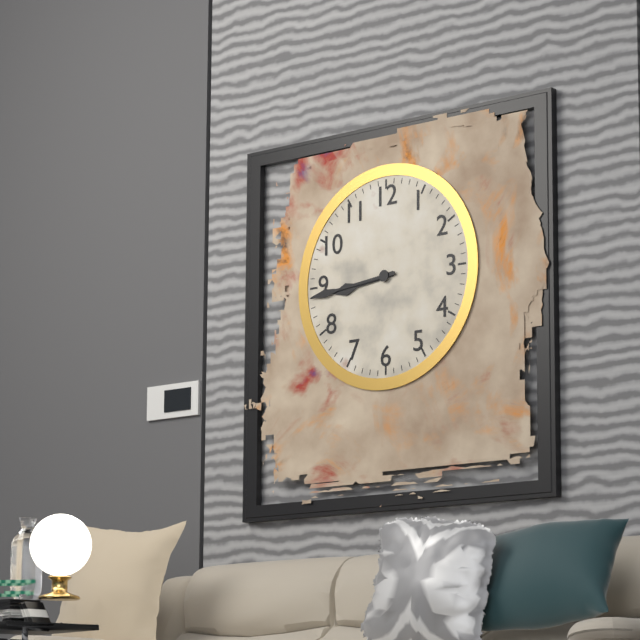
8.44
